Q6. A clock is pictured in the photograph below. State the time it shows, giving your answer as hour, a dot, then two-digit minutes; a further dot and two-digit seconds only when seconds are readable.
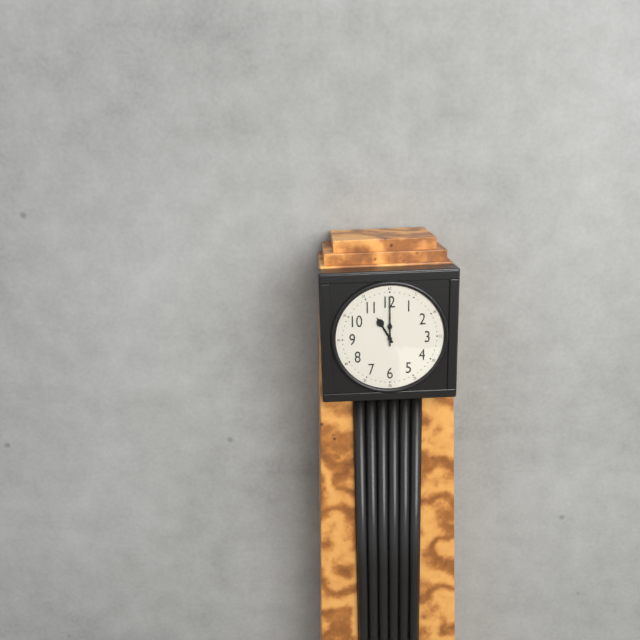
11.00
